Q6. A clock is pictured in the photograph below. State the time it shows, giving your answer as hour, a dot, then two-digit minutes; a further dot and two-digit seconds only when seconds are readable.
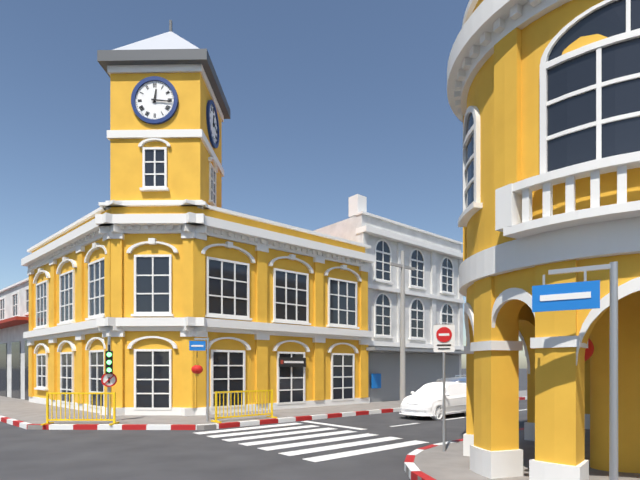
12.16
